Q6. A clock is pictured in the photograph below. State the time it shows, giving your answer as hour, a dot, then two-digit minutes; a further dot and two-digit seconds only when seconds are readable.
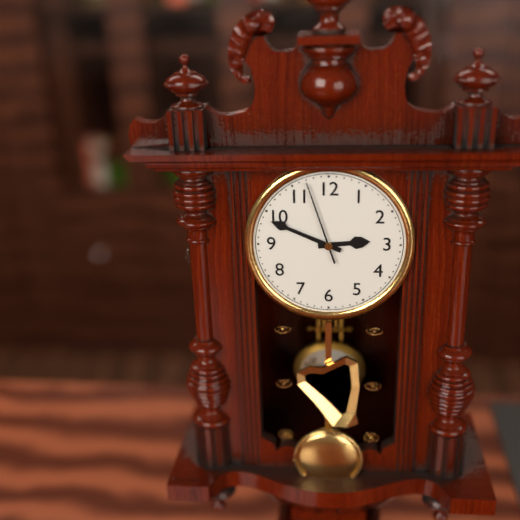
2.49.57
